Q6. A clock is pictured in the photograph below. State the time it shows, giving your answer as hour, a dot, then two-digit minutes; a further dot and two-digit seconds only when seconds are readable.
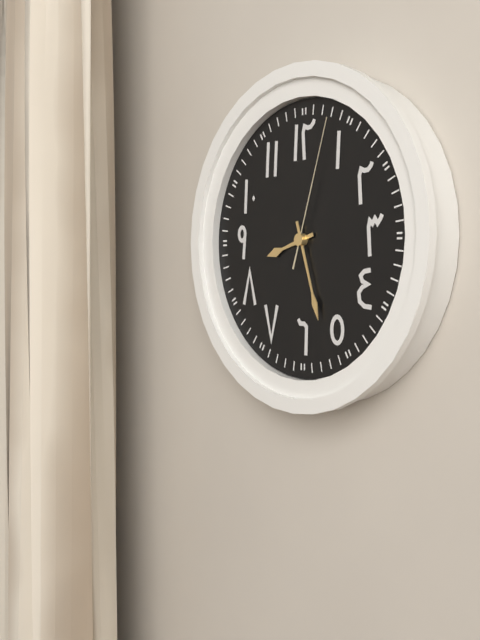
8.27.03
